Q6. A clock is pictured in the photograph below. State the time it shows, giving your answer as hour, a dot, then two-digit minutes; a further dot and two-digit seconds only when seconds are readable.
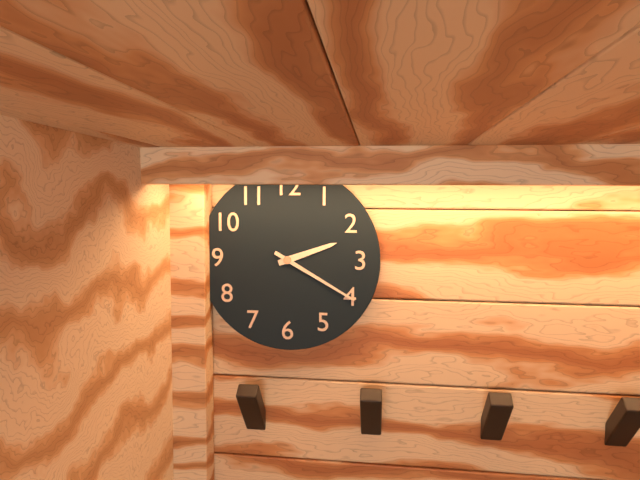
2.20
